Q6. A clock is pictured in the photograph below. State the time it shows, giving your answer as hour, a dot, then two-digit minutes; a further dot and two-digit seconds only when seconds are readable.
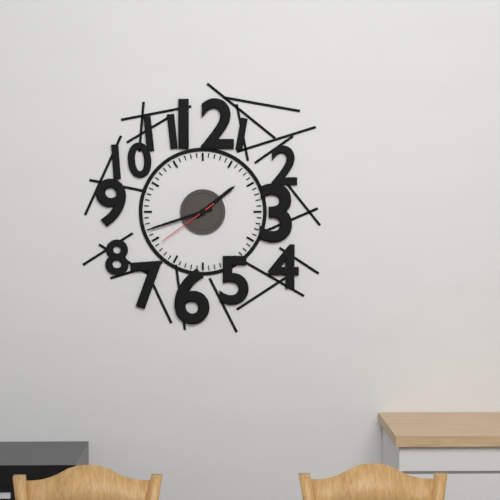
1.42.39
